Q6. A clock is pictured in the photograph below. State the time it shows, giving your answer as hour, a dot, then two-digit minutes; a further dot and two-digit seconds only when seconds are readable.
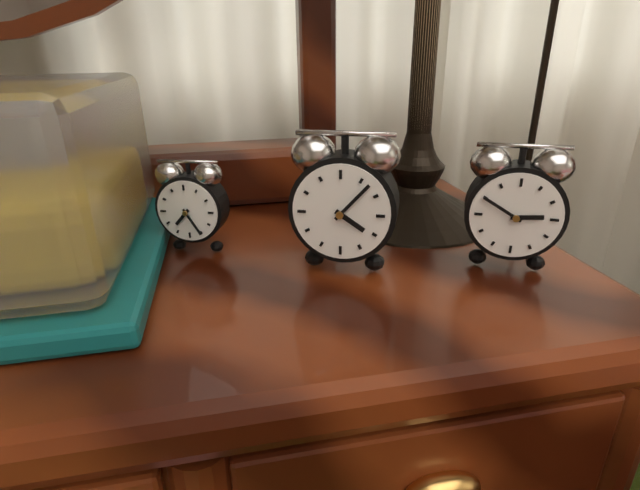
4.07
